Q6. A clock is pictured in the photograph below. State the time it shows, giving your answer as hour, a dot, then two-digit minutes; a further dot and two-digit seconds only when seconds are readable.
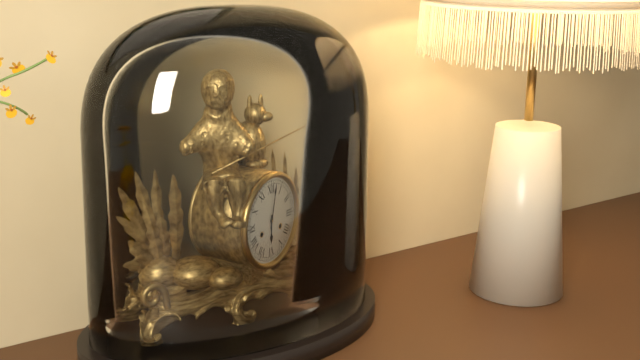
6.02
